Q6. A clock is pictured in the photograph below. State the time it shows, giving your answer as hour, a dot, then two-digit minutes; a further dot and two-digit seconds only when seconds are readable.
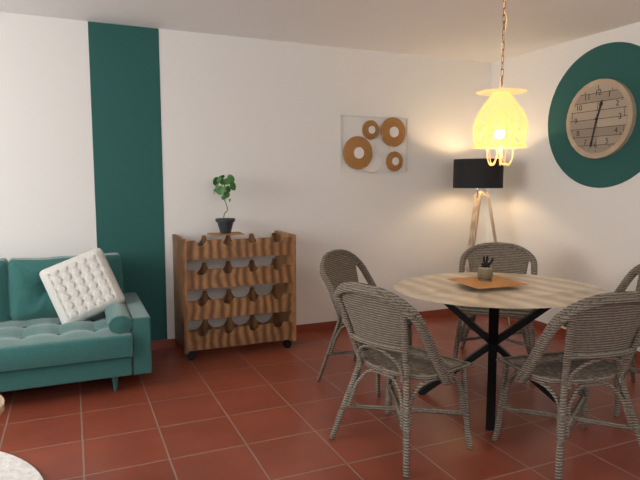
12.32
